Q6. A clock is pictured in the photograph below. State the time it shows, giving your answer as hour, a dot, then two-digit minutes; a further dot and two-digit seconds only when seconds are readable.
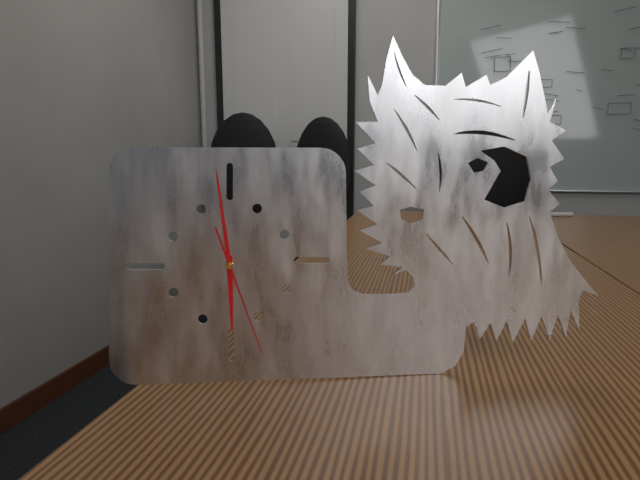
5.59.27
